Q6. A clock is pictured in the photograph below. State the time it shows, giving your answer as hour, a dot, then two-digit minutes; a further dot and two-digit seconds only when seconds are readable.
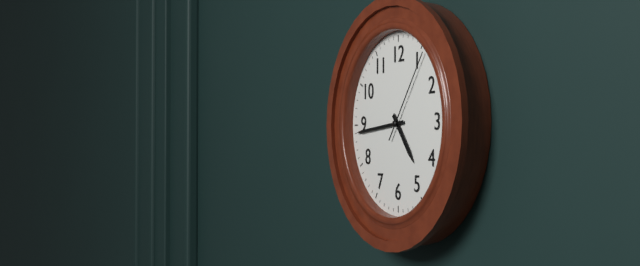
4.44.06
